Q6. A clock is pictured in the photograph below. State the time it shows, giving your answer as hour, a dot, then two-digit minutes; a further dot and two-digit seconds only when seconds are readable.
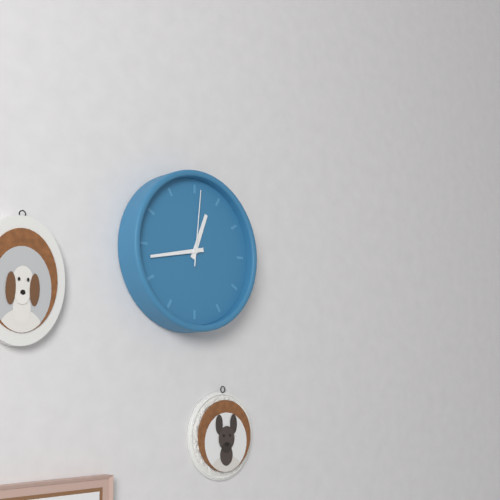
12.43.01
